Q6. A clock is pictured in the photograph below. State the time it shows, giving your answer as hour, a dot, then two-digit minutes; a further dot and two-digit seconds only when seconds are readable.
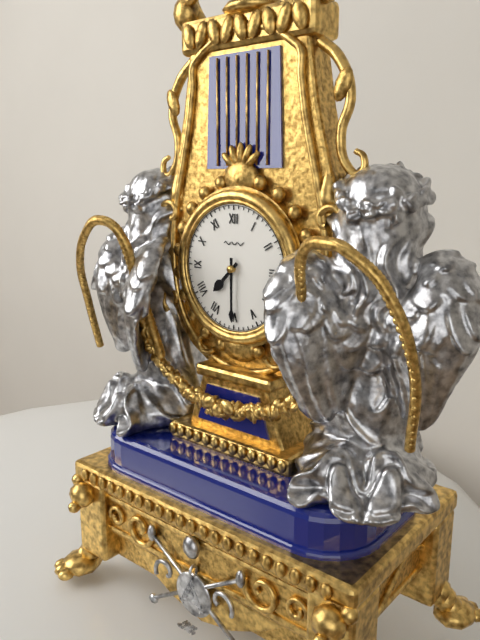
7.30
